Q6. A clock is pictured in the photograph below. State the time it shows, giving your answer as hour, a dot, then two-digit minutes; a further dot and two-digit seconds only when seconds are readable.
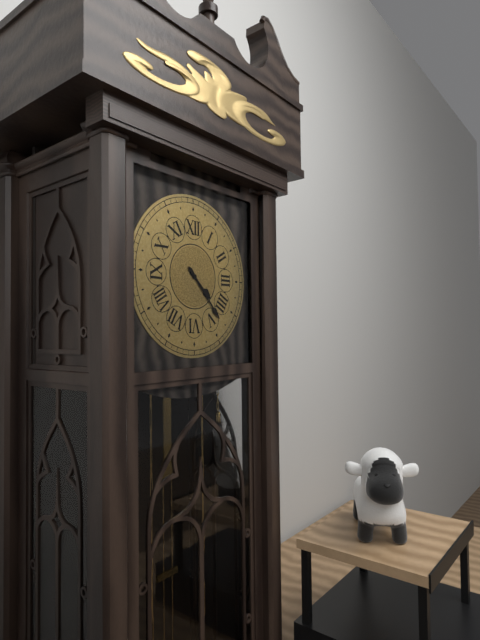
4.23
